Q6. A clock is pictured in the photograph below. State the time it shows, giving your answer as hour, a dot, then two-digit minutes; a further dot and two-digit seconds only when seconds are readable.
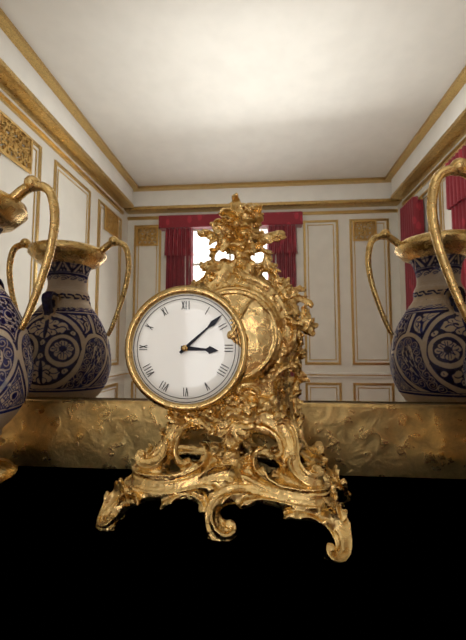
3.08
